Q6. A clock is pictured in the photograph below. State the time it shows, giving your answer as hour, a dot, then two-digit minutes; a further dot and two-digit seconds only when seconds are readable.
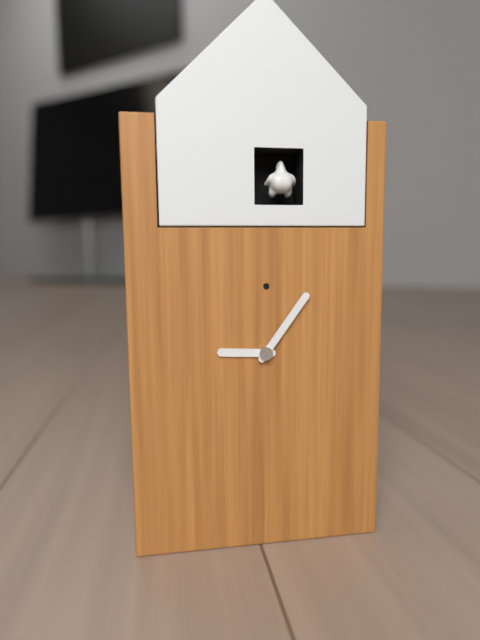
9.06
